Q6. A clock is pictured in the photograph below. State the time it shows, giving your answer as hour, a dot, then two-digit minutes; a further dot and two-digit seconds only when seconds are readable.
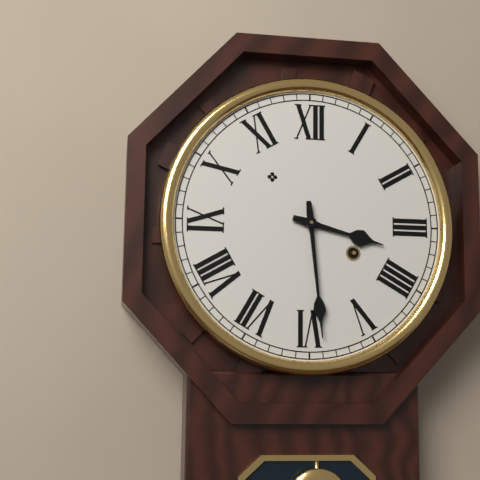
3.29
